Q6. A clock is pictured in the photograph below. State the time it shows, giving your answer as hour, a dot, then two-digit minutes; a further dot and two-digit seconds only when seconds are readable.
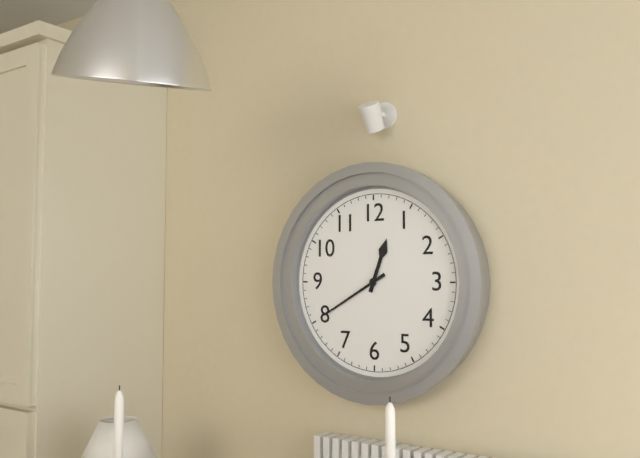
12.40
